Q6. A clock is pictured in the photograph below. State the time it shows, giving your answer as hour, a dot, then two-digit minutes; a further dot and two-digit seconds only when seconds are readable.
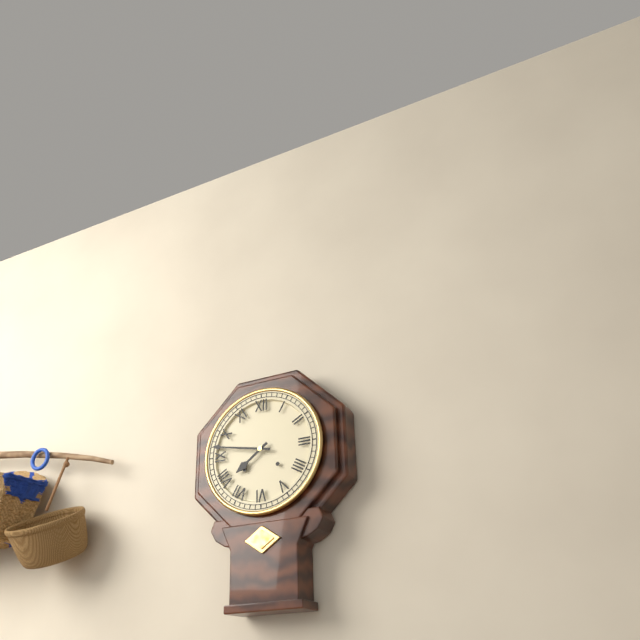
7.47
